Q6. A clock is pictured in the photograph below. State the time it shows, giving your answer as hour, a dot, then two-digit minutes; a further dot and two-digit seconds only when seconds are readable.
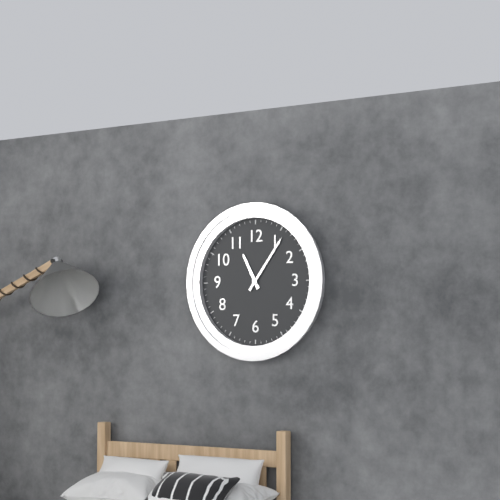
11.06
